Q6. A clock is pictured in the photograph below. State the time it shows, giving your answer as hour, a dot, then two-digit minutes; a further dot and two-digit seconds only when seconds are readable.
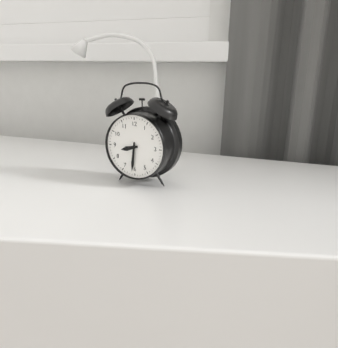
8.31
